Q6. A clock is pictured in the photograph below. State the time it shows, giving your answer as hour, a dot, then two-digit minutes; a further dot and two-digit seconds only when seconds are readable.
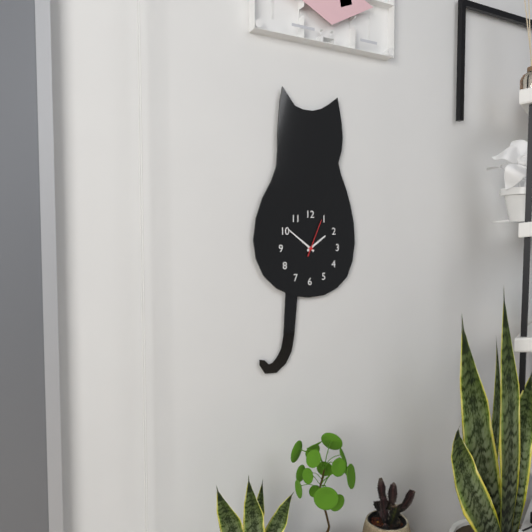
1.51
